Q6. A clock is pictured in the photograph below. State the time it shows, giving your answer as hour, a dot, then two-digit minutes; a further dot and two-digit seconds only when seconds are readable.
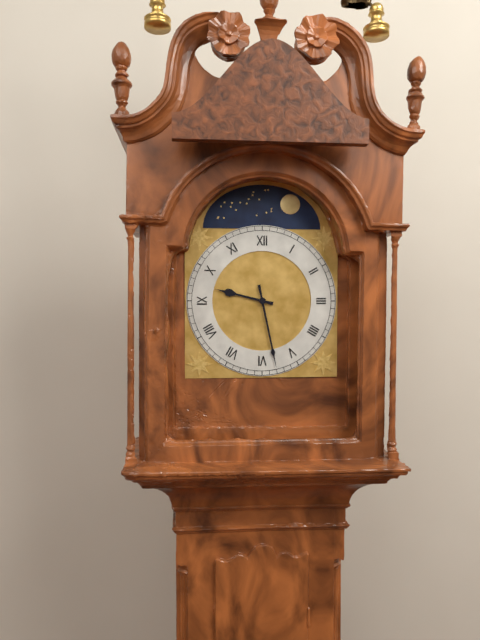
9.28
